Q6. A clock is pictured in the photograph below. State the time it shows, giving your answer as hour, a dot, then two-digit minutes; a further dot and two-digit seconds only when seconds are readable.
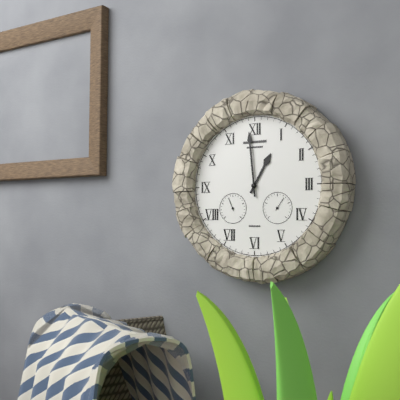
12.59
